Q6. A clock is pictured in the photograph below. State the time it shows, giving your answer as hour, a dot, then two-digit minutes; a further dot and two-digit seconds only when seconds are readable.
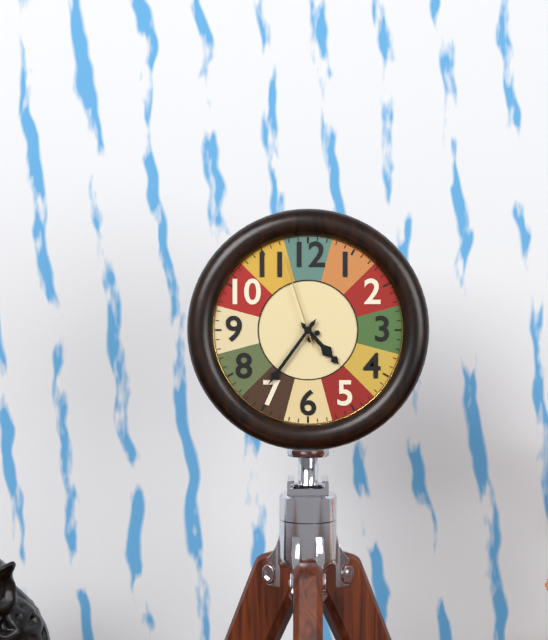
4.36.57
